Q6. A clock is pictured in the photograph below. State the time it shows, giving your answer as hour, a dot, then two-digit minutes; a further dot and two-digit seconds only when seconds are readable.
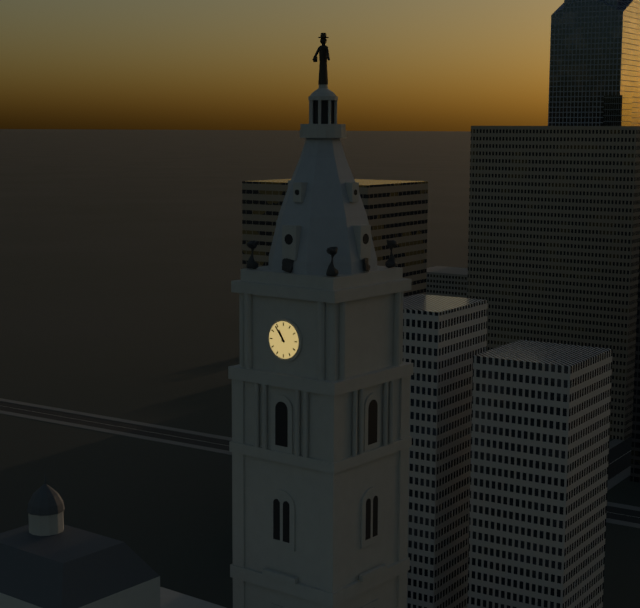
10.54
